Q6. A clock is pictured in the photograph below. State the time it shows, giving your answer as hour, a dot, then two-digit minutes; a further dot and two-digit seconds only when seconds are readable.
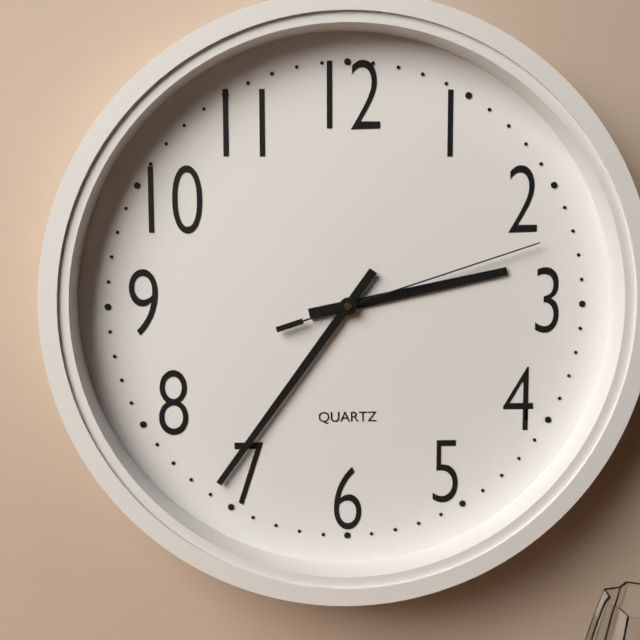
2.36.12
